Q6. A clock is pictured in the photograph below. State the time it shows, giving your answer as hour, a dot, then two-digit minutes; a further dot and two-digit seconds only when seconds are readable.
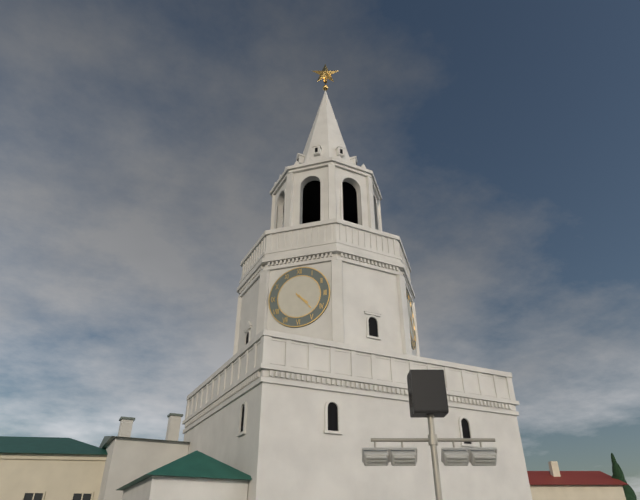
4.23
